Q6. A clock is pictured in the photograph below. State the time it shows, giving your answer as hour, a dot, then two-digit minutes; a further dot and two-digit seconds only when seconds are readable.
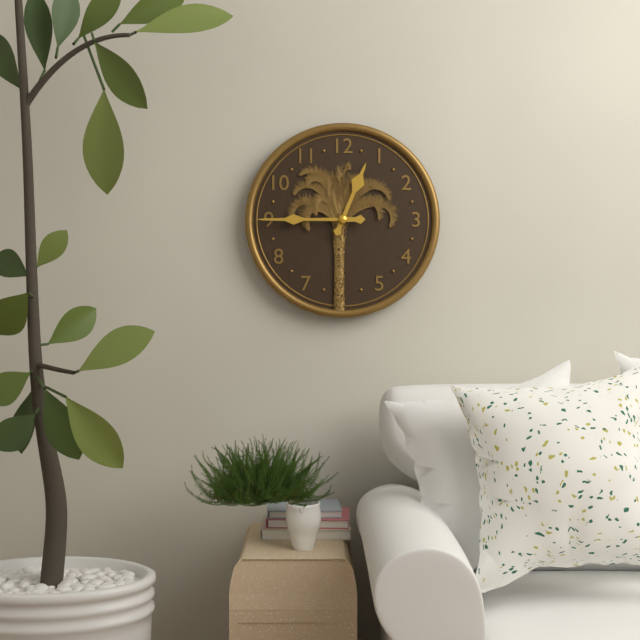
12.45
